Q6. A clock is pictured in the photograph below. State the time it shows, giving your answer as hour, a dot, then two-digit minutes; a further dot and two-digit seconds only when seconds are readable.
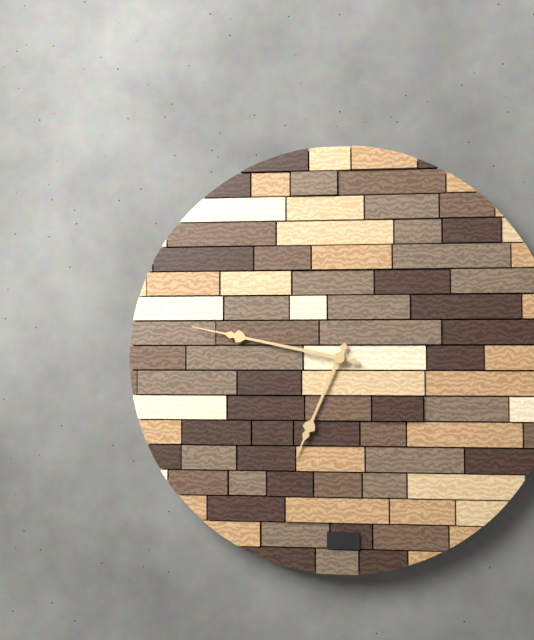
6.47
